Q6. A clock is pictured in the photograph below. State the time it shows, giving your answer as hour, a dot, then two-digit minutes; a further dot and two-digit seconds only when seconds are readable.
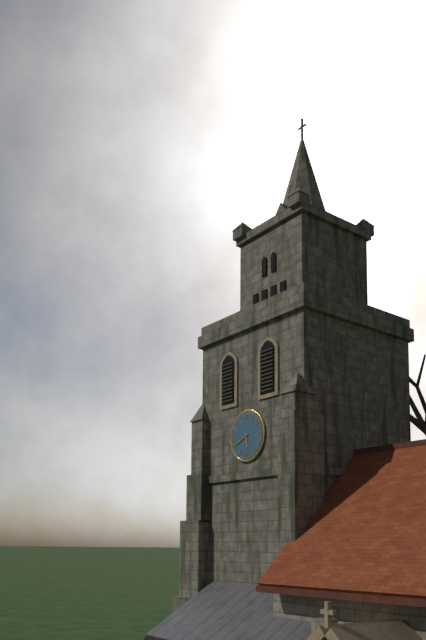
5.41
